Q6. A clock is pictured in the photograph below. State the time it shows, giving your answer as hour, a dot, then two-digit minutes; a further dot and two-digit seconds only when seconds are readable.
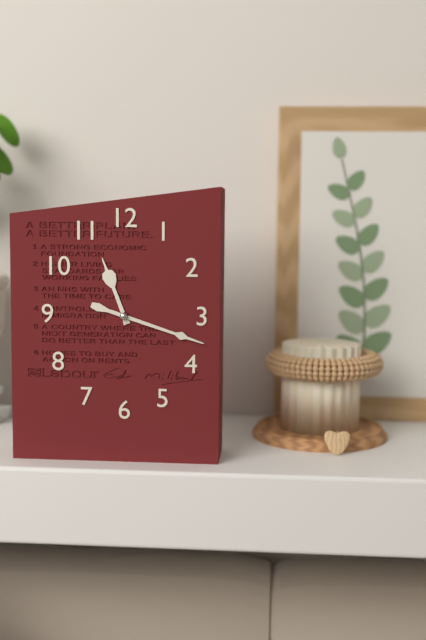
11.18
